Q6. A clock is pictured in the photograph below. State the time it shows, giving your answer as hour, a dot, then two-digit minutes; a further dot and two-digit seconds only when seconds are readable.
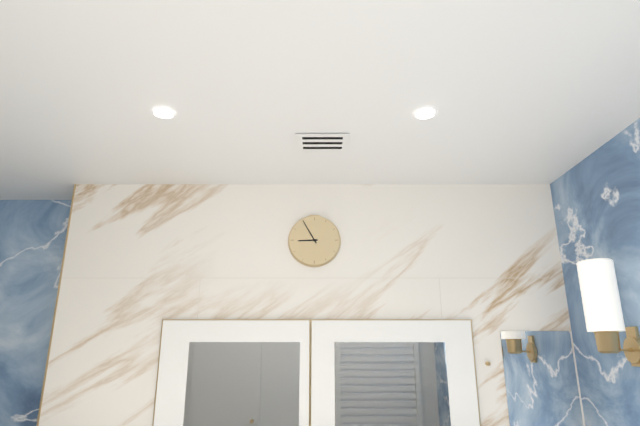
8.55
